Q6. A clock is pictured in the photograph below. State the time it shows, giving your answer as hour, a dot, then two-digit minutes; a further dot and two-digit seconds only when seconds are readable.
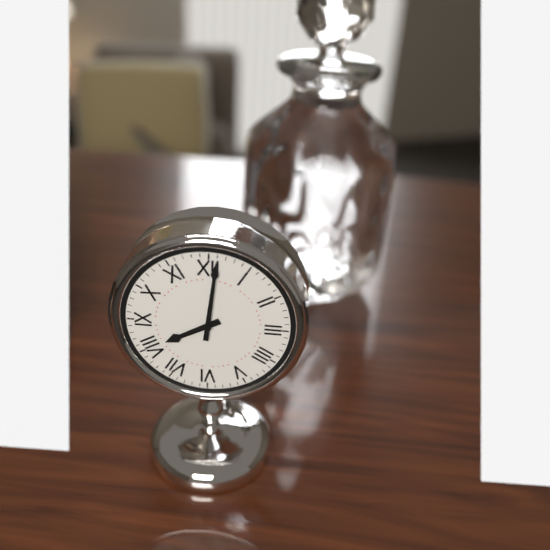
8.01
